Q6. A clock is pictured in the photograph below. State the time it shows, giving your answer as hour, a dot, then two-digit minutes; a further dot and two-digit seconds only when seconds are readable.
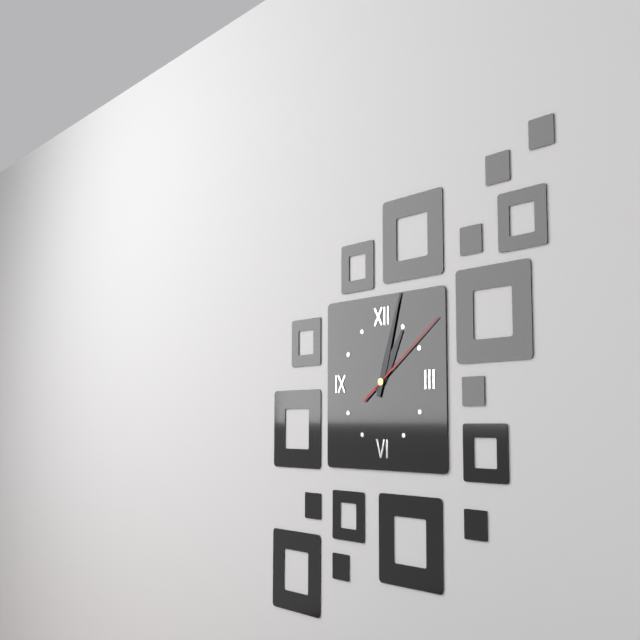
1.03.09
